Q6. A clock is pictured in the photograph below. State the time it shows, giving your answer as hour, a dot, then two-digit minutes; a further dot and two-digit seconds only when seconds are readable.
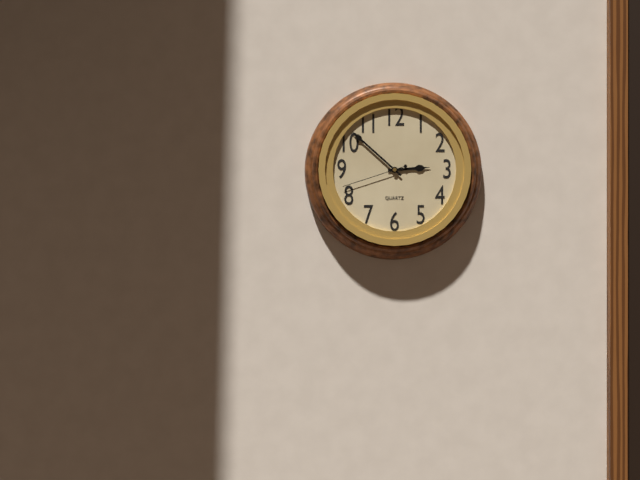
2.52.42
